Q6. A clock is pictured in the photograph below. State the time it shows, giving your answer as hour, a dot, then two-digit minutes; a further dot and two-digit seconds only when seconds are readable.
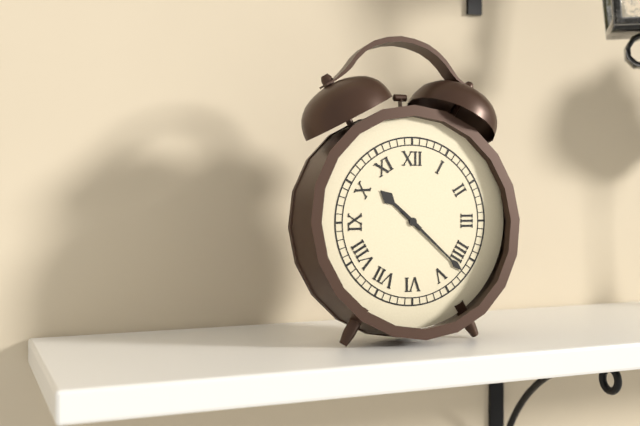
10.22
